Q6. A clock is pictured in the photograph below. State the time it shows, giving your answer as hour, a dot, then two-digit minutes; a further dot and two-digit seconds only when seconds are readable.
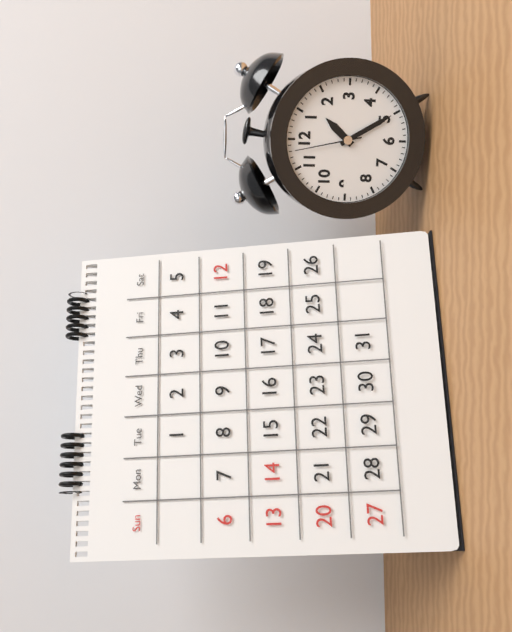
1.25.58
